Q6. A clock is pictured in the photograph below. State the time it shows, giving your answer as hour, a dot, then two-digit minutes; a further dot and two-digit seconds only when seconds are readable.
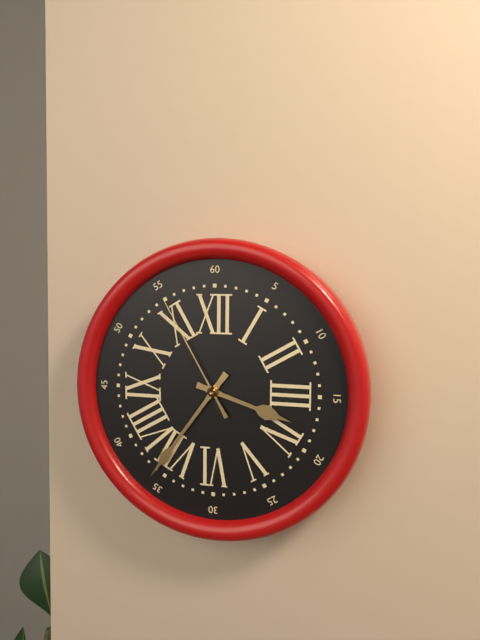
3.36.55
